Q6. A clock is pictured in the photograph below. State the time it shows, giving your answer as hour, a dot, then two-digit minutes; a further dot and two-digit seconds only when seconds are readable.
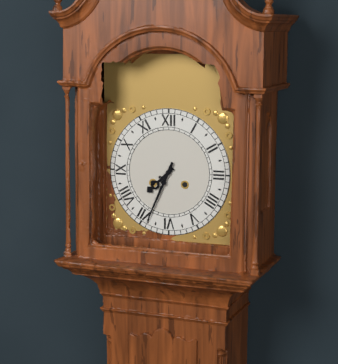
7.34
